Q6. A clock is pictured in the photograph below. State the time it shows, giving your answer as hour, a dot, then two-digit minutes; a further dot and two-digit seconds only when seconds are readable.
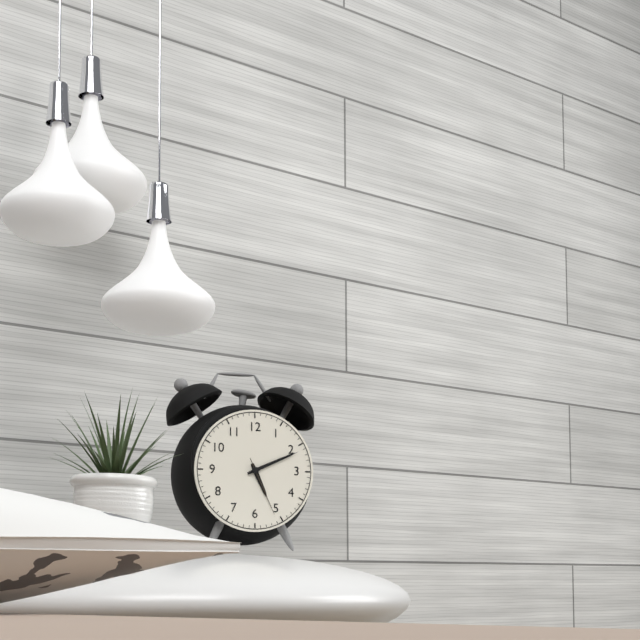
5.11.26
